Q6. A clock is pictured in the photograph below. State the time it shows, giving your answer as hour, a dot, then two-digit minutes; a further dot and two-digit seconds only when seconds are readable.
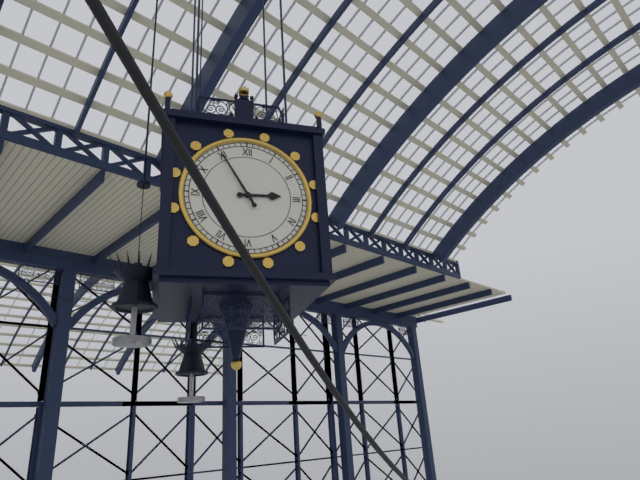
2.55
